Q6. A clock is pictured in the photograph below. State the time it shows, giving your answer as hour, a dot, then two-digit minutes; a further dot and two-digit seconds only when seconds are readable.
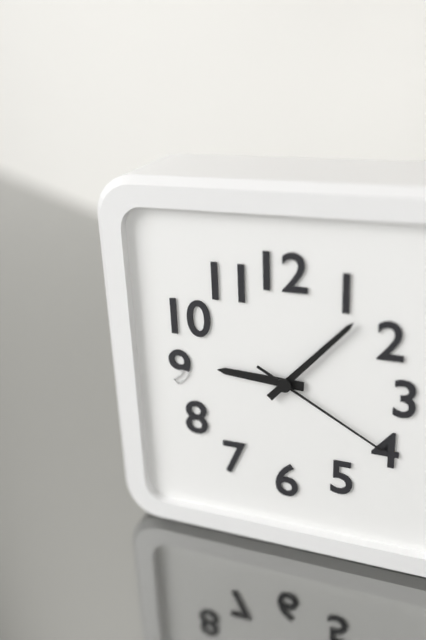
9.07.20
